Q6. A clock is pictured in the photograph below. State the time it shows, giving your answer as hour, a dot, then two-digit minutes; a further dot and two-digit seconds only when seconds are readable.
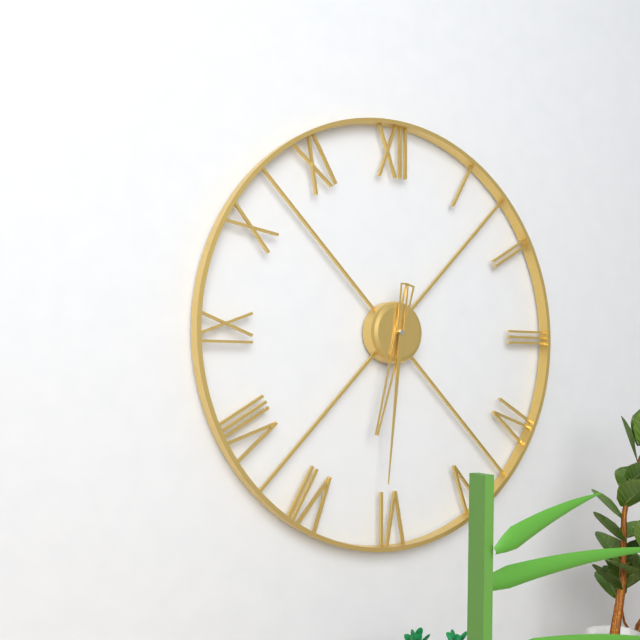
6.31
